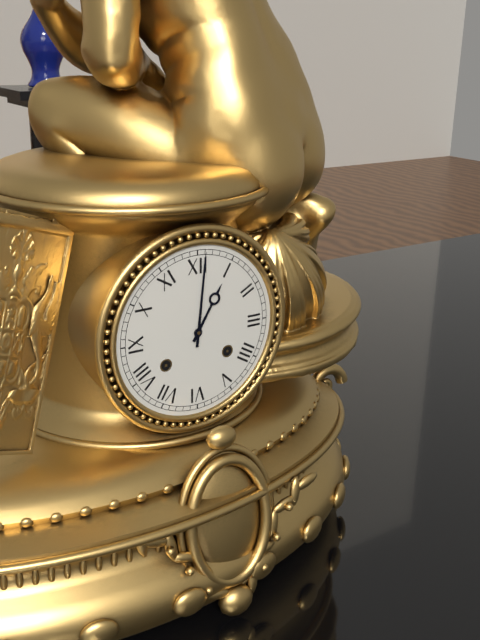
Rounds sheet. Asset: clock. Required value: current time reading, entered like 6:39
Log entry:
1:01
